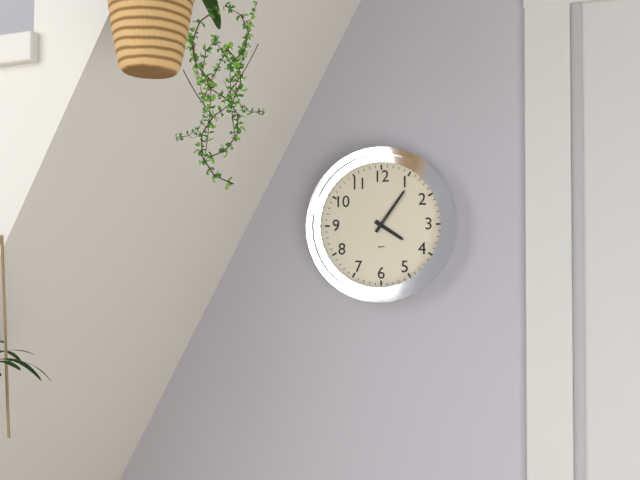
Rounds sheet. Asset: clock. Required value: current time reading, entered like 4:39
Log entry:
4:06
